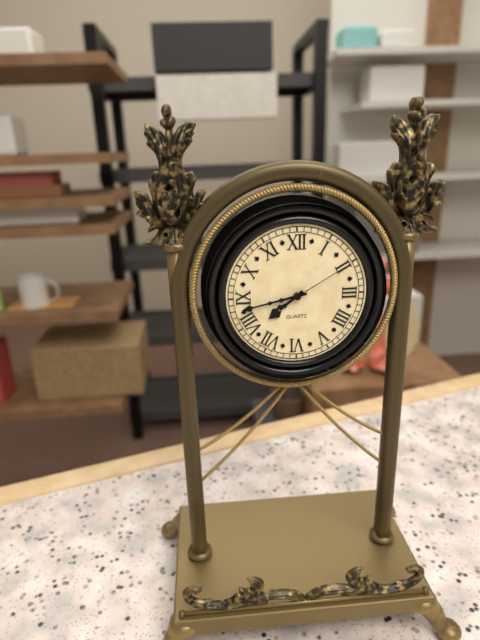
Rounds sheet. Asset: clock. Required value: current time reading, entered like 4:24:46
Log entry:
7:43:10
